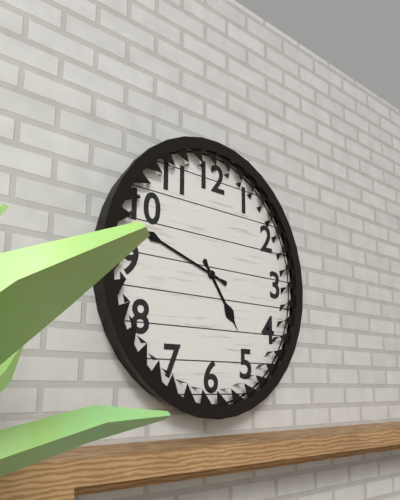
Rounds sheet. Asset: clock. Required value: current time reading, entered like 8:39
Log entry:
4:48
